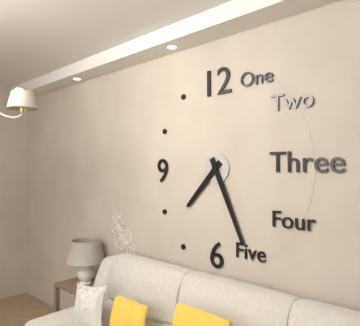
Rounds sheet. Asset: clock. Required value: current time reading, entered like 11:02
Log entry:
7:26
